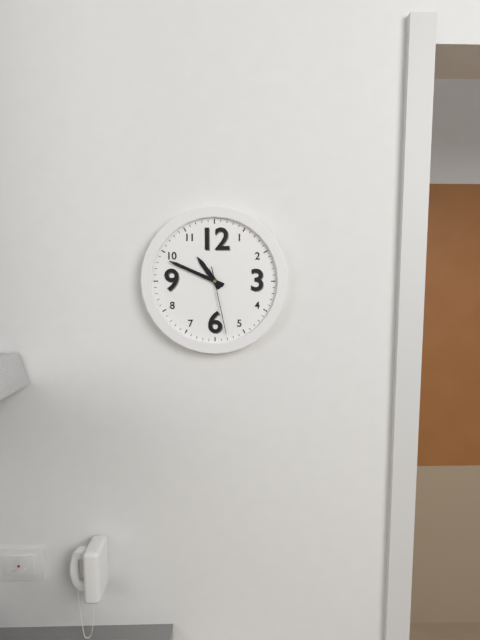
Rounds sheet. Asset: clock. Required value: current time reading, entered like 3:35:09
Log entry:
10:49:28
